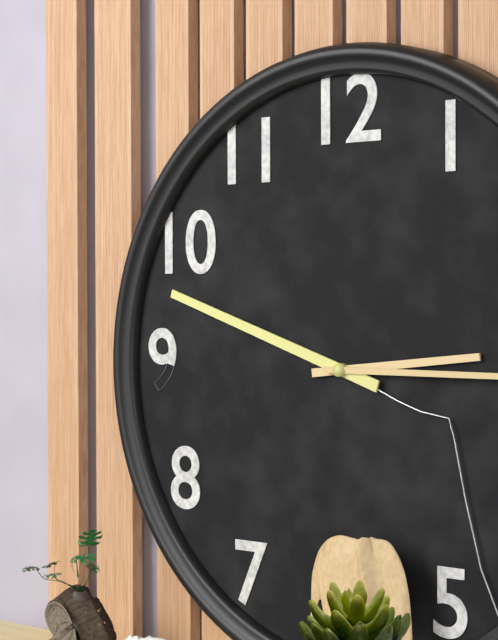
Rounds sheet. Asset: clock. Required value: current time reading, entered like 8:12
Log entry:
2:48
